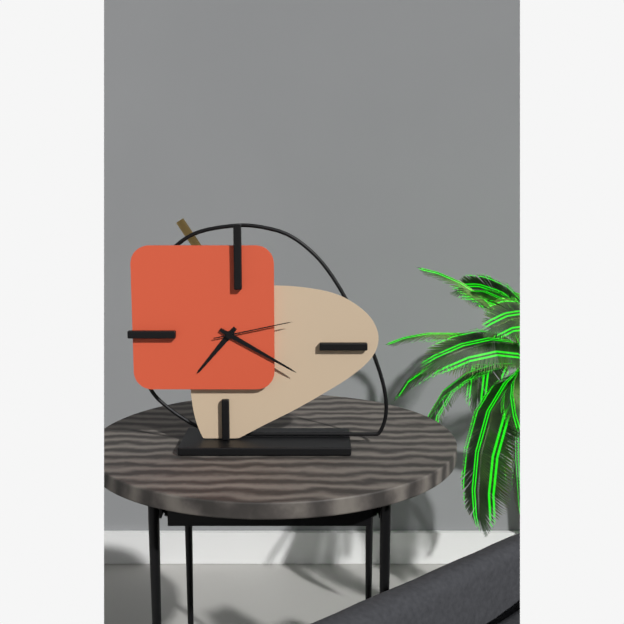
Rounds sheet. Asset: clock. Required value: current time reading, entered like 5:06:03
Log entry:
7:20:13
